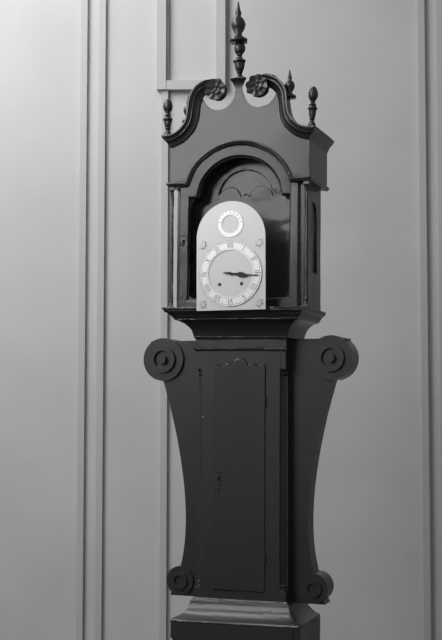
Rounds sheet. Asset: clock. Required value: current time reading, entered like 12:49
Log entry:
3:16
